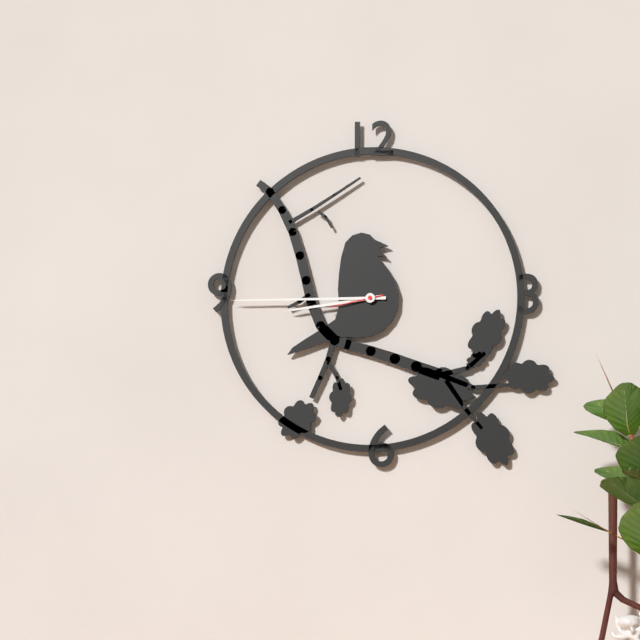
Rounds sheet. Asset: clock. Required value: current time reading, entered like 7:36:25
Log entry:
8:45:43
